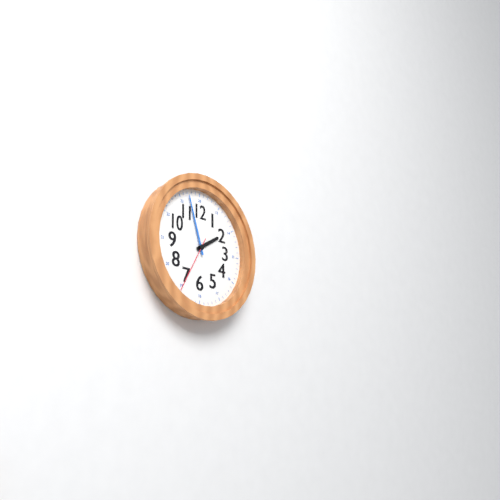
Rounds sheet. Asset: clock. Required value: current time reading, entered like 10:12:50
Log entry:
1:57:35
